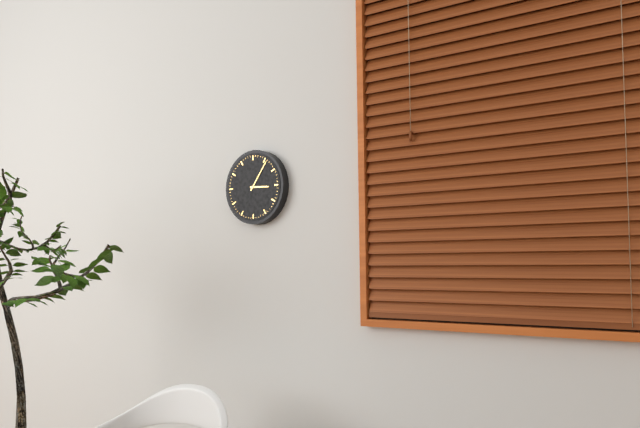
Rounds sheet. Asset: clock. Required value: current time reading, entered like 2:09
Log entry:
3:06
